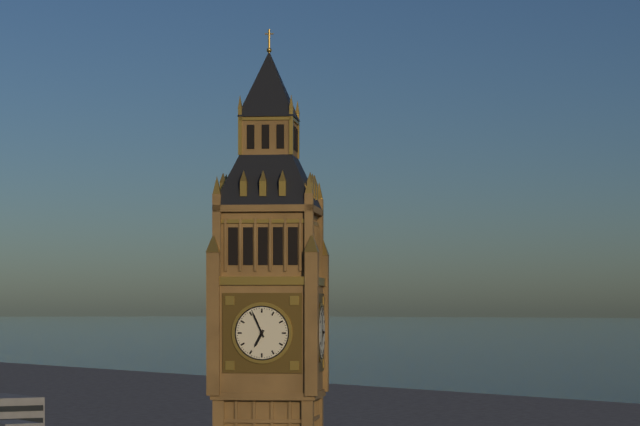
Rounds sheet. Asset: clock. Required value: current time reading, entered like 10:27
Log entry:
6:56
